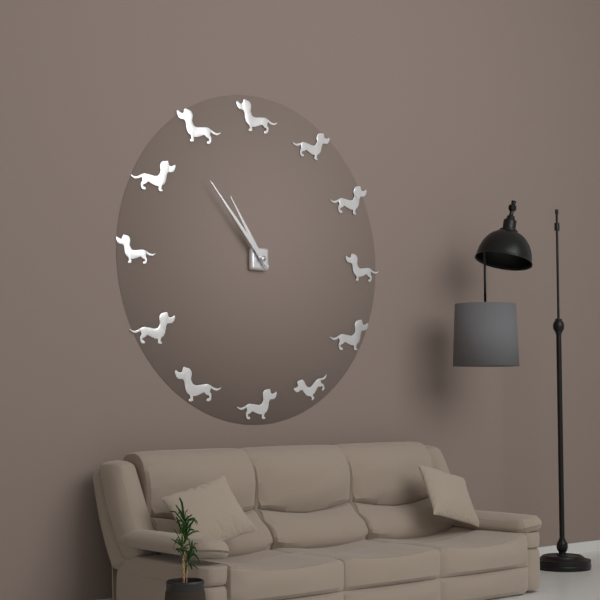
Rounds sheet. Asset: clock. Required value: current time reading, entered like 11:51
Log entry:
10:53
